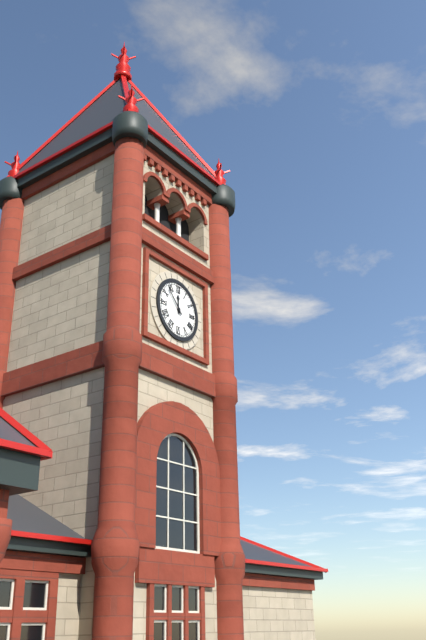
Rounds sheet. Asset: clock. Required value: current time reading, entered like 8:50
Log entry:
11:53
